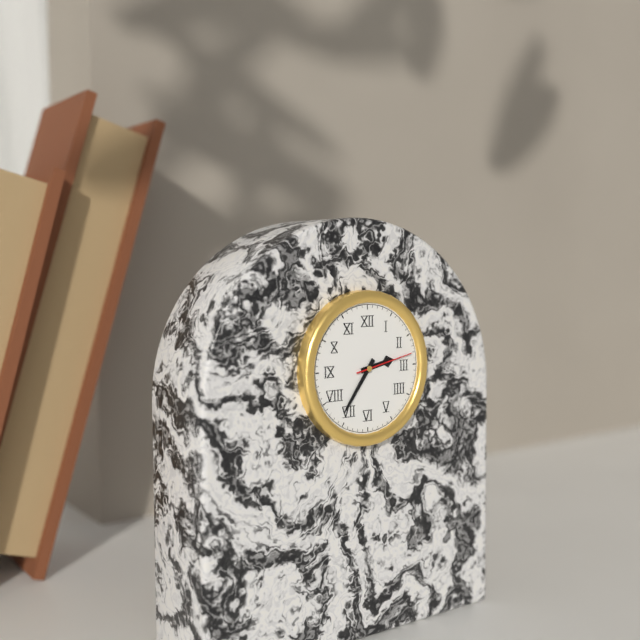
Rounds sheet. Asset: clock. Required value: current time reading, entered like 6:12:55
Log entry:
2:36:13
